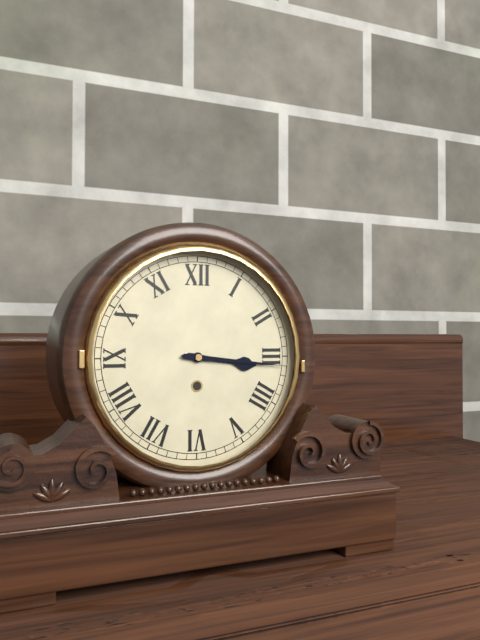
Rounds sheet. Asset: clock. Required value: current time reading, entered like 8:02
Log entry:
3:16
